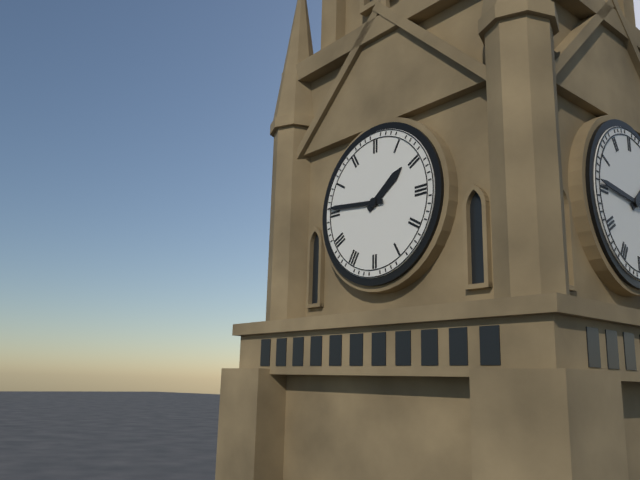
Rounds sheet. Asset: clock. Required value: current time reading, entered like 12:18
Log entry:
1:46
